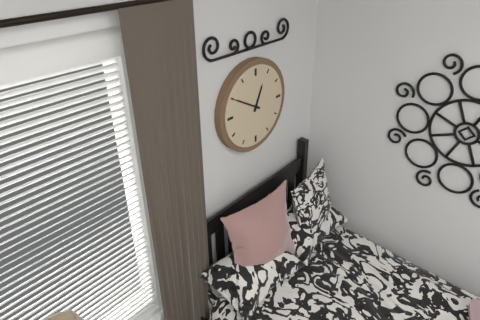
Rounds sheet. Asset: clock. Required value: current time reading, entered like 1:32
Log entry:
12:50
